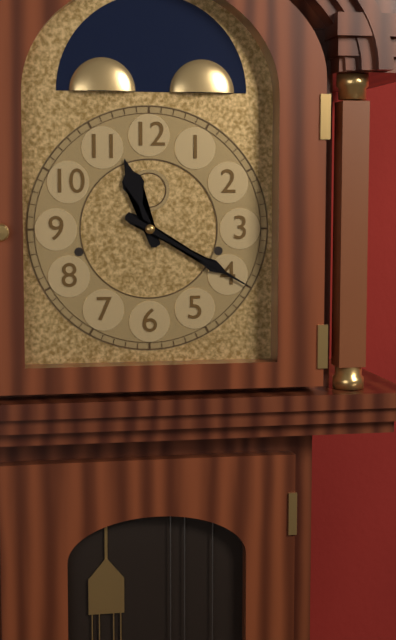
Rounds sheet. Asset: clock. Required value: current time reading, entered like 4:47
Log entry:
11:20
